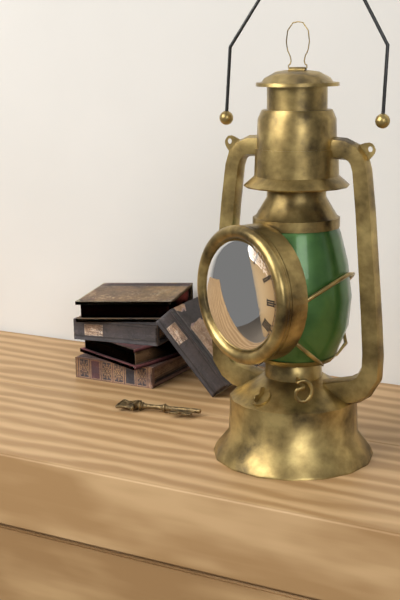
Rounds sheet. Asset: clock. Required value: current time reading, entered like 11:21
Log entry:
3:33
